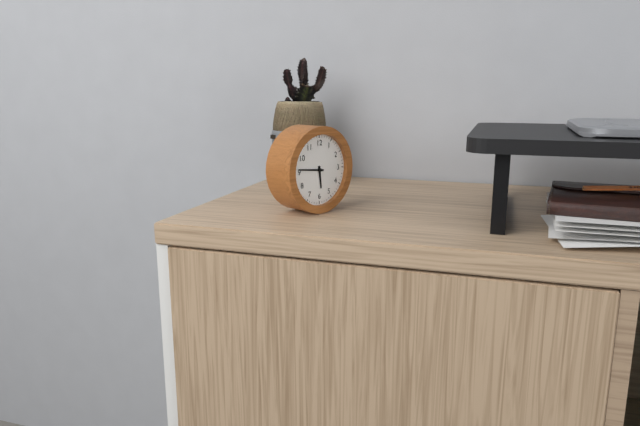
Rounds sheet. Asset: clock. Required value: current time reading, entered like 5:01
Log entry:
5:46
